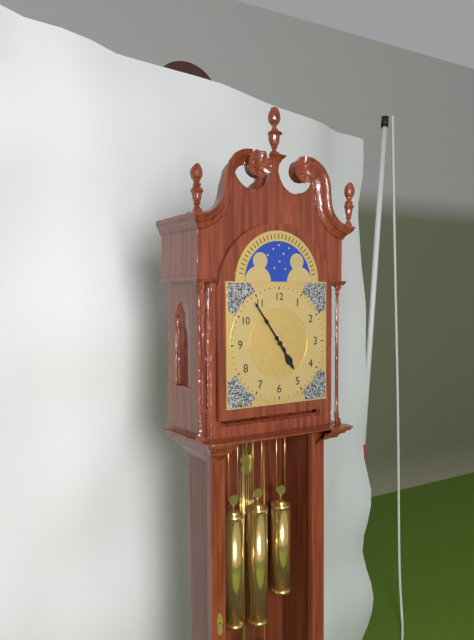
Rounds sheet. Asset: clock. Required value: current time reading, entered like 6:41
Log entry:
4:54
